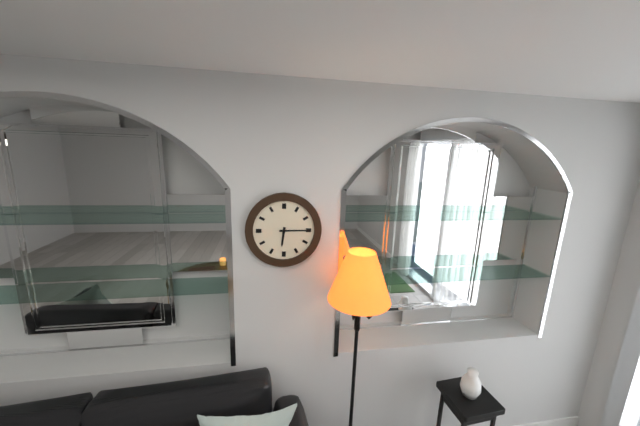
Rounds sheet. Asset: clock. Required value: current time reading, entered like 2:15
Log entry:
6:15
